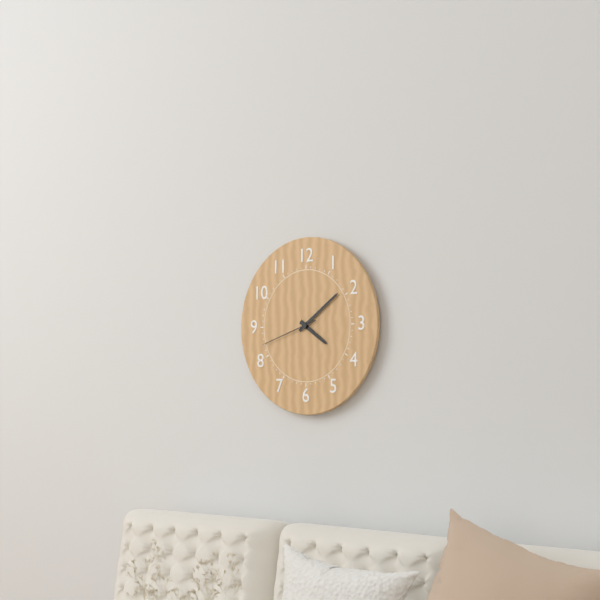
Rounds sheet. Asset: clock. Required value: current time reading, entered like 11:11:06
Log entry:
4:09:42
